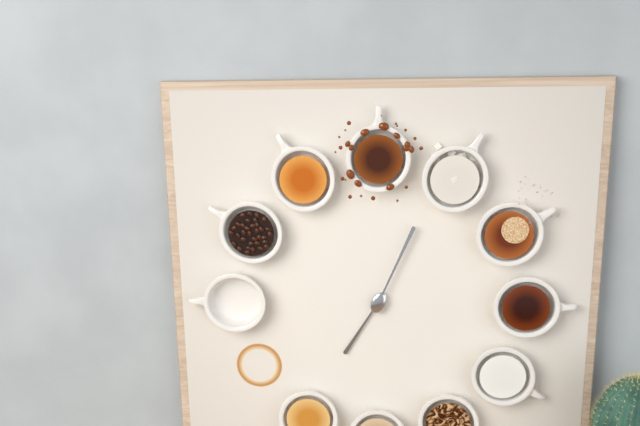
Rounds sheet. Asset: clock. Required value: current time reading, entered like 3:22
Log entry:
7:04
